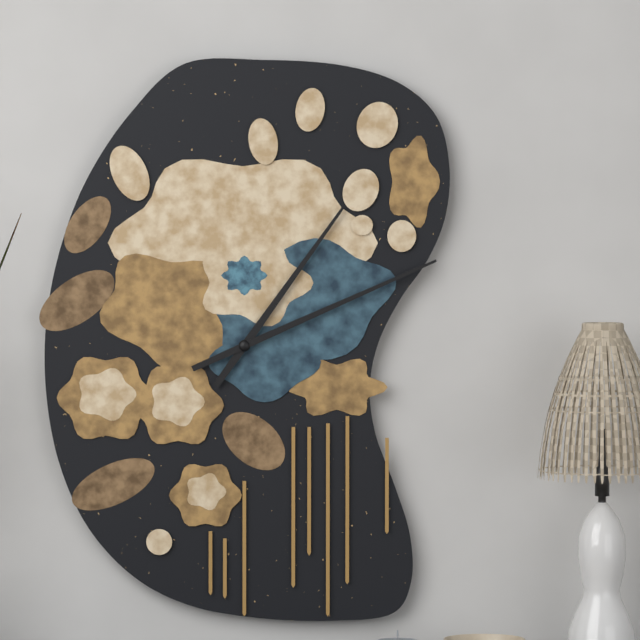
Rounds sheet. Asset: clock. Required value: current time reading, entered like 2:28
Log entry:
1:11
